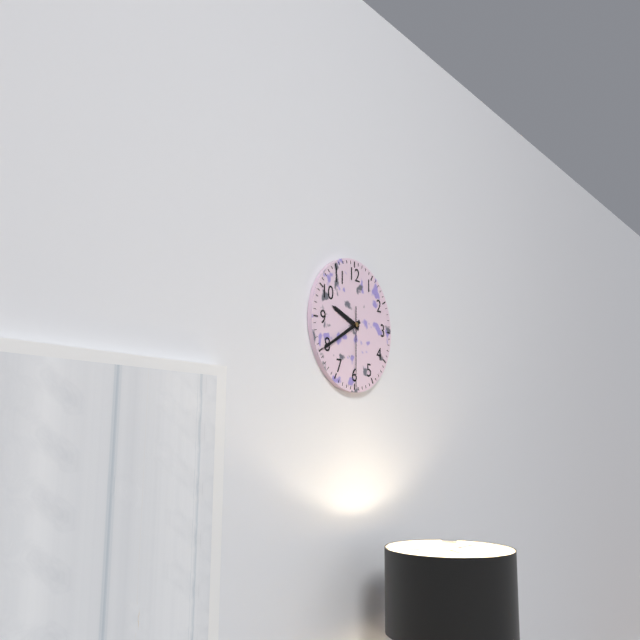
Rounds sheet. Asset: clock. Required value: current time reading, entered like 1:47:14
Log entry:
9:40:30
